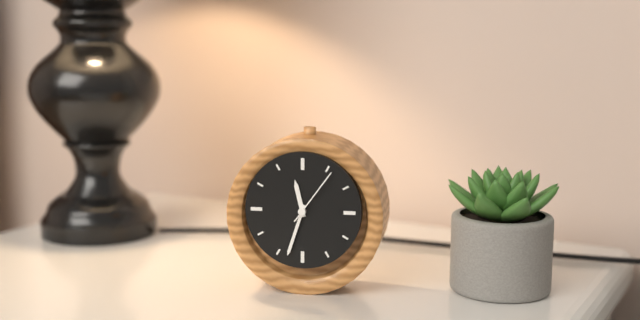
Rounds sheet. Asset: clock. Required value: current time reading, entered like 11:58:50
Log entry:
11:33:06
